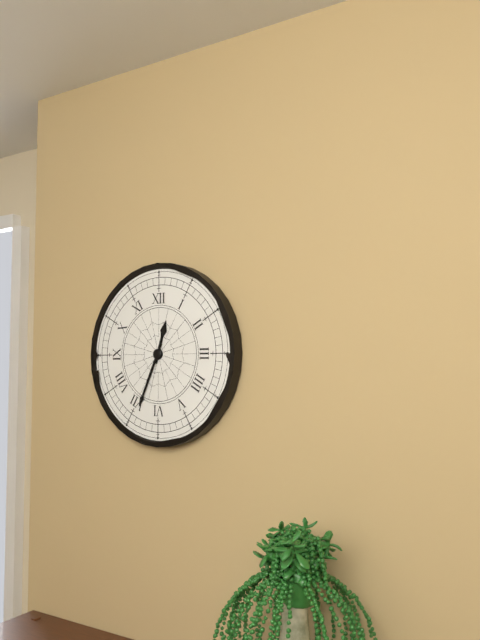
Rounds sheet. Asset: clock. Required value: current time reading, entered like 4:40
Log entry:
12:34
